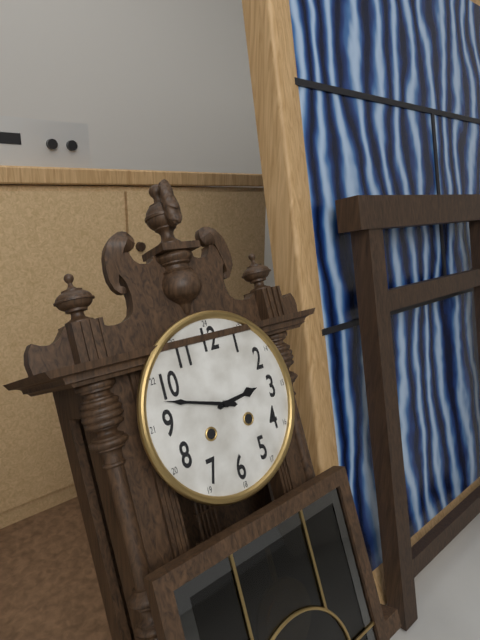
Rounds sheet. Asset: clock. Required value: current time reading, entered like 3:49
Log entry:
2:48
